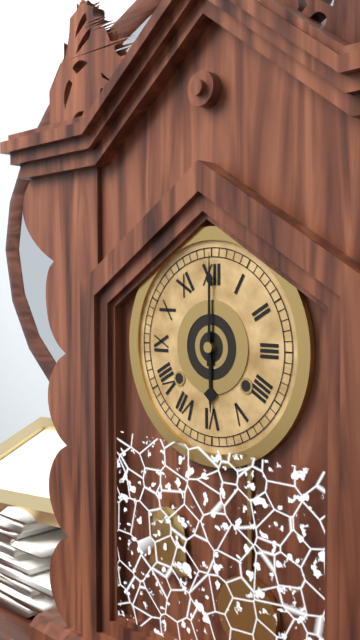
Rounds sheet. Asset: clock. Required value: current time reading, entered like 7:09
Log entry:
6:00
